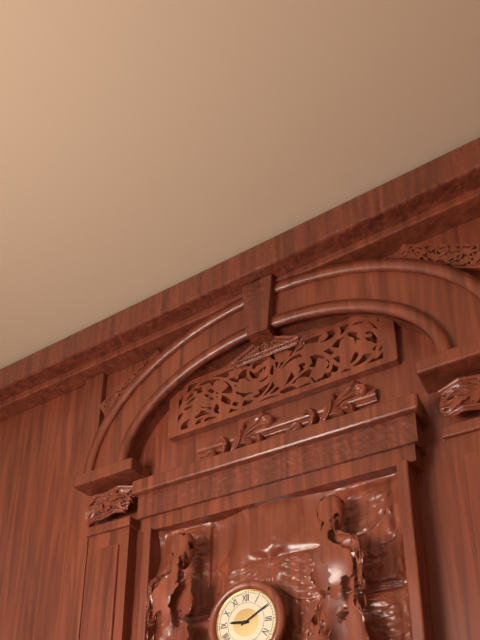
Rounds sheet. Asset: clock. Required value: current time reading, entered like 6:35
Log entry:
9:10
